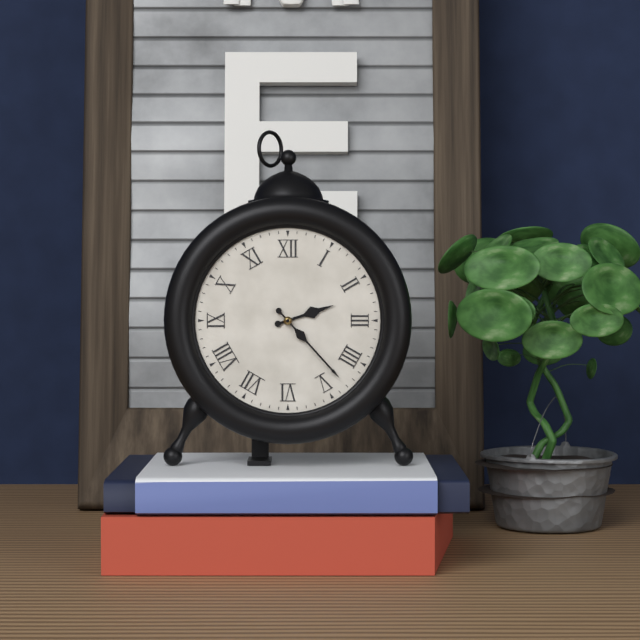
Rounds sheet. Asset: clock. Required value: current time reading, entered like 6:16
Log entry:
2:23
